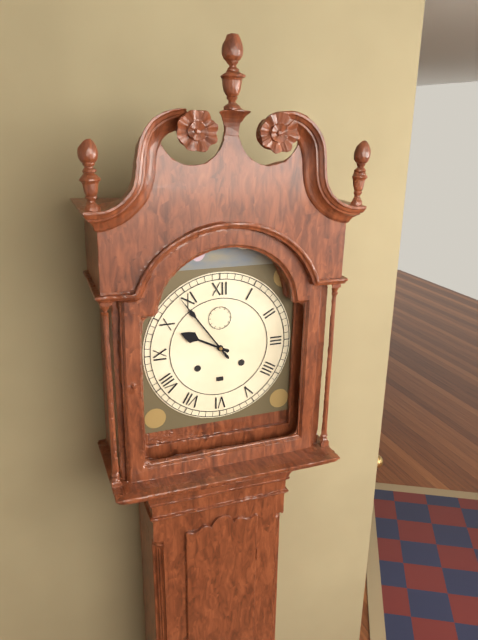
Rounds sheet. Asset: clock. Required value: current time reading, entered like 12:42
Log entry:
9:54
